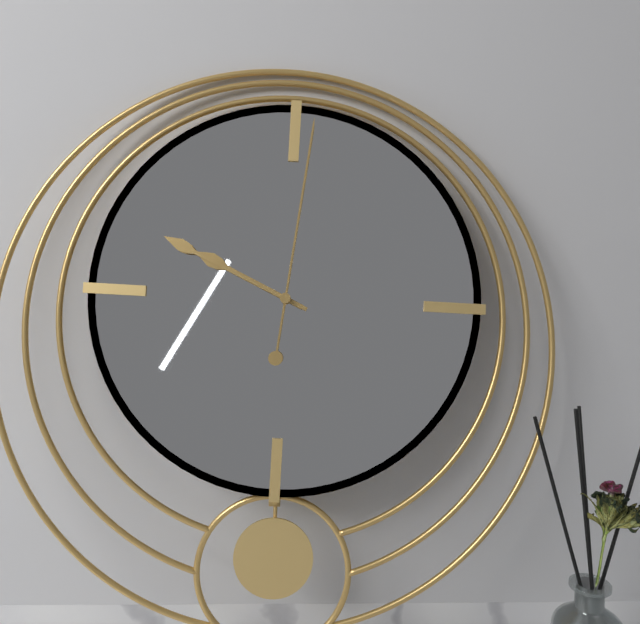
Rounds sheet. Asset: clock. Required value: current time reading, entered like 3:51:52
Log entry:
9:49:01
